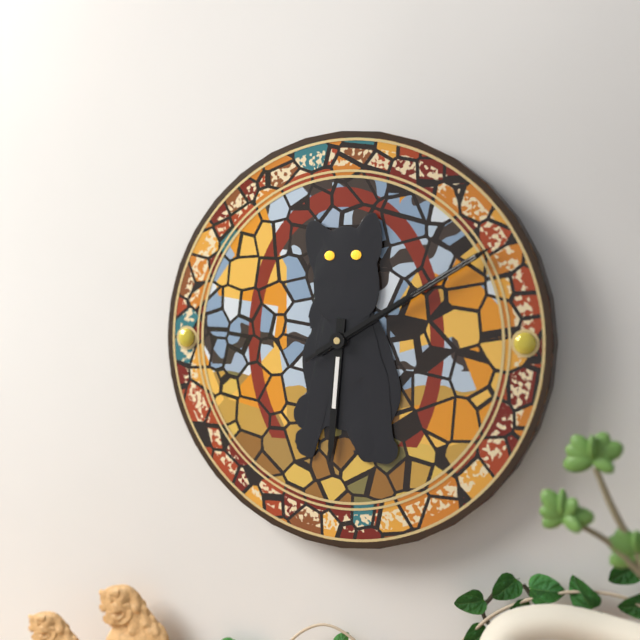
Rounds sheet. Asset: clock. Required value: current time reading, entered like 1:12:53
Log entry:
6:10:10
